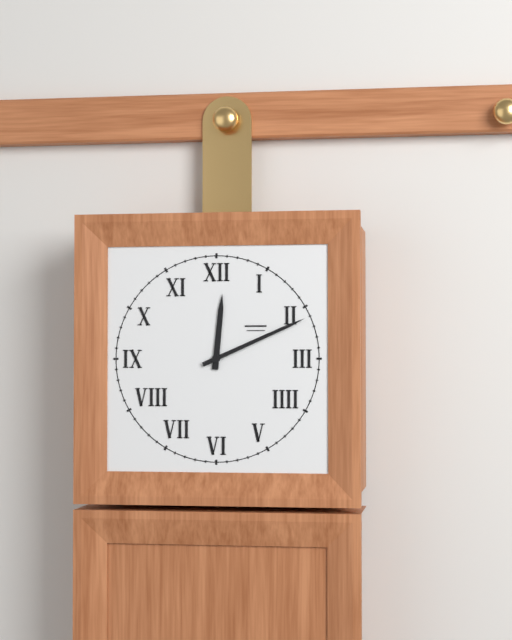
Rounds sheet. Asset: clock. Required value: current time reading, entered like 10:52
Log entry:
12:11
